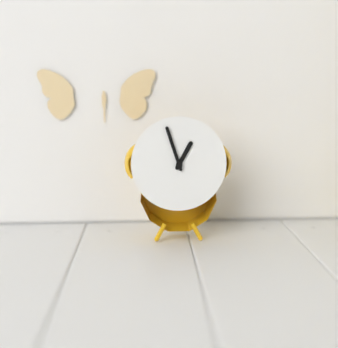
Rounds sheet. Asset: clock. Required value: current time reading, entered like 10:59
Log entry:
12:57
